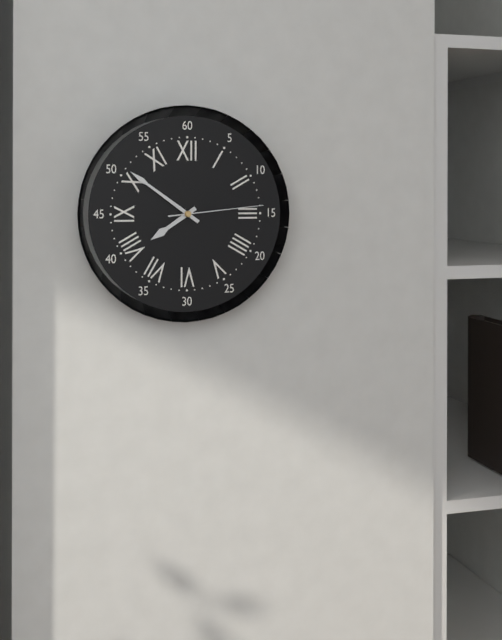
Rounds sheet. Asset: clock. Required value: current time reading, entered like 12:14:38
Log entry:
7:51:14
